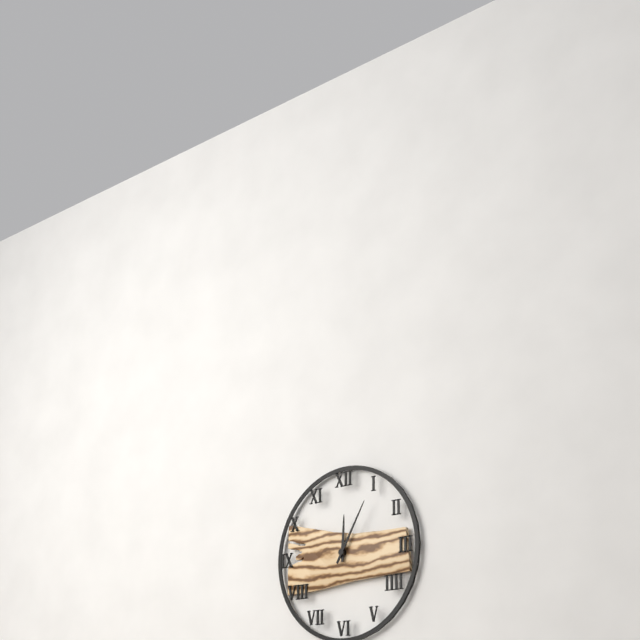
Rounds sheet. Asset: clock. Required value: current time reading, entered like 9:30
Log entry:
12:05
